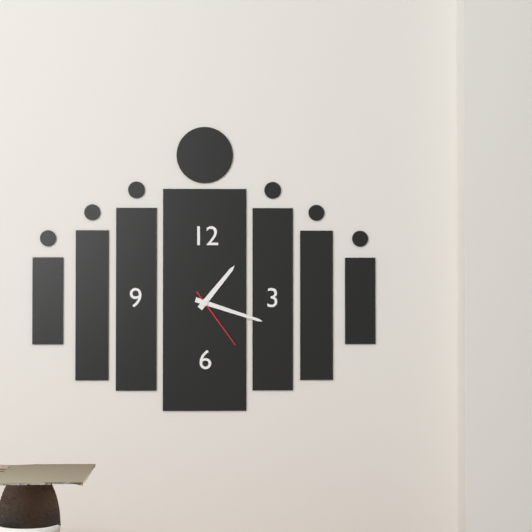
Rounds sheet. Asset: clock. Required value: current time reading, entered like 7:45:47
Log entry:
1:18:24
